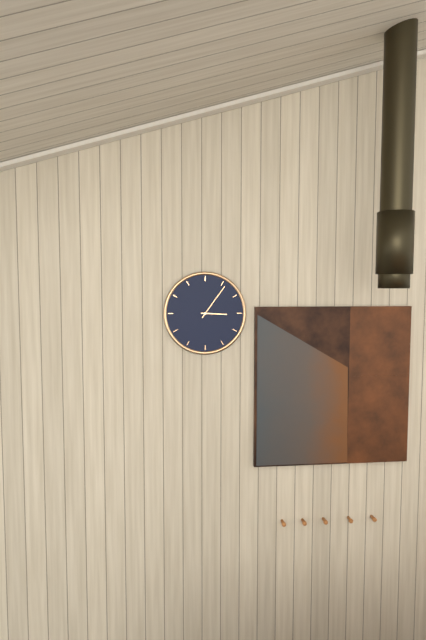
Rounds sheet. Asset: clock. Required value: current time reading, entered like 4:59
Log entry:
3:06
